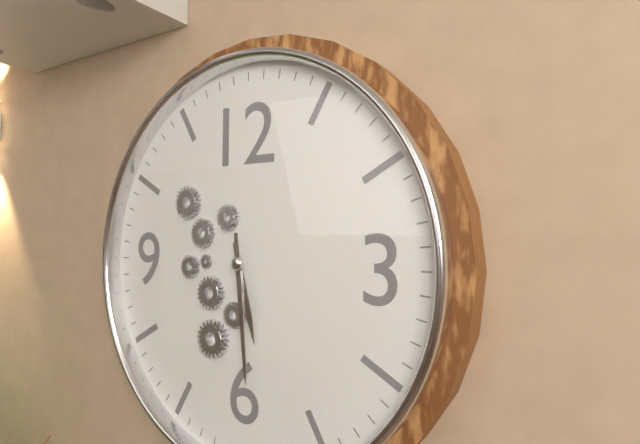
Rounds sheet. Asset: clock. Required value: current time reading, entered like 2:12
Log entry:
5:29
